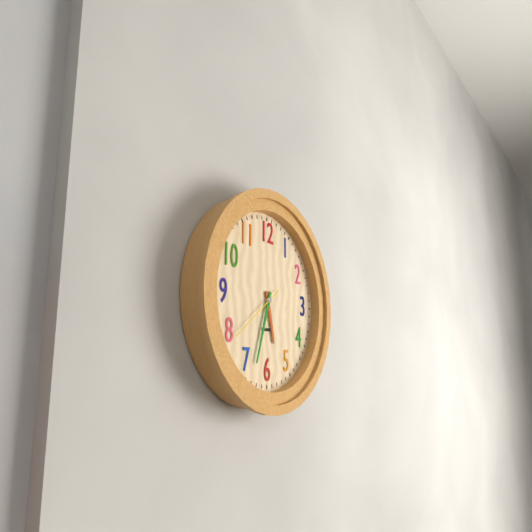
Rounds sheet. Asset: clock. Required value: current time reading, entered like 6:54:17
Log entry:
5:33:39
